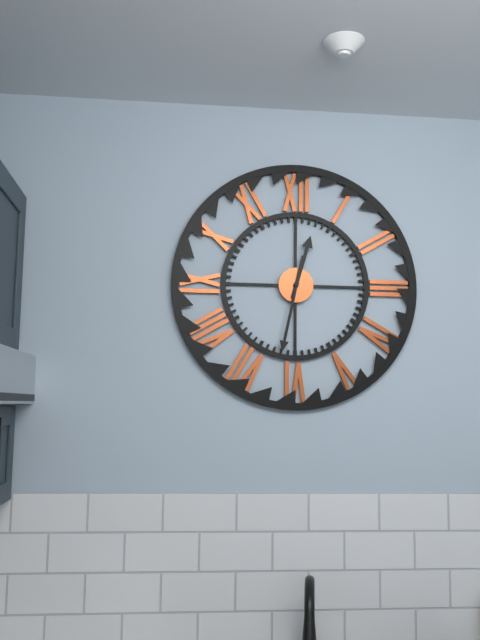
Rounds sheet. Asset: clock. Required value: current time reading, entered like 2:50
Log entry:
12:32
